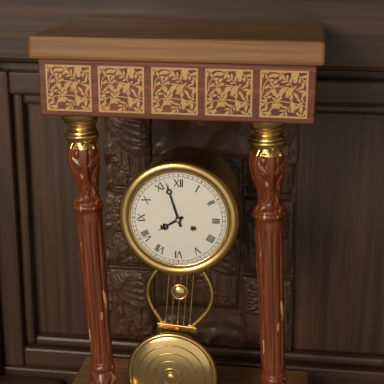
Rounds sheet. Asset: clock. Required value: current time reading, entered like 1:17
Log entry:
7:57
